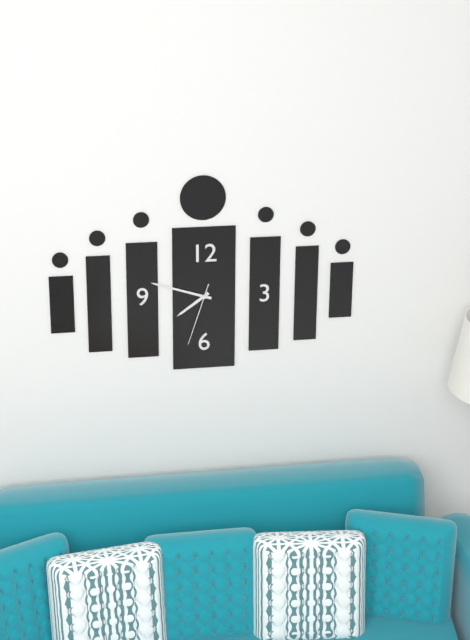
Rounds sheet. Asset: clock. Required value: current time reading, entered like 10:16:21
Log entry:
7:48:33
